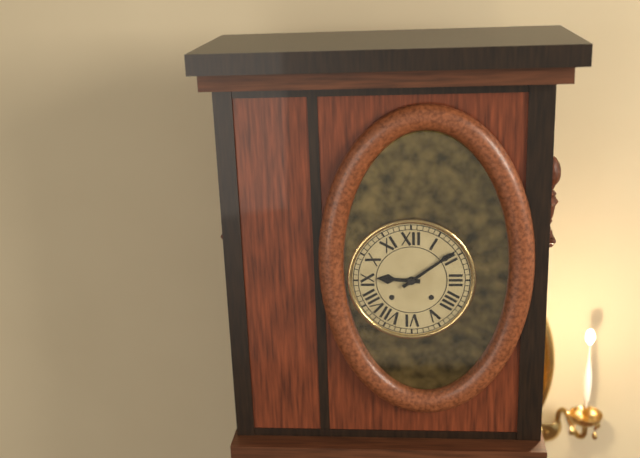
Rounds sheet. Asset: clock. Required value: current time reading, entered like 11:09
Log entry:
9:09
